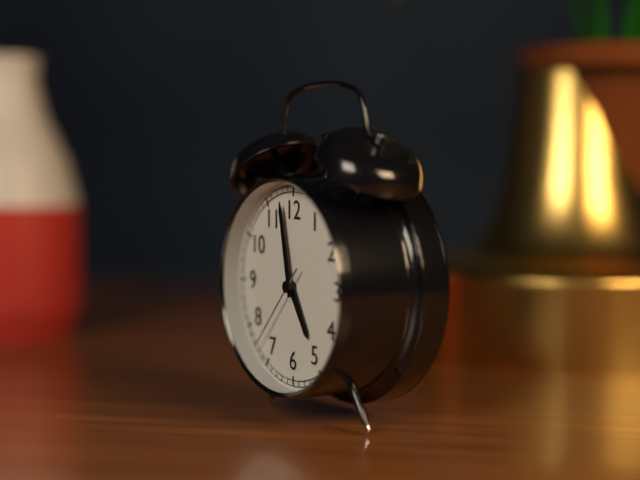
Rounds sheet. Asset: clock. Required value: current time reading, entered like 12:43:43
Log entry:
4:58:37
